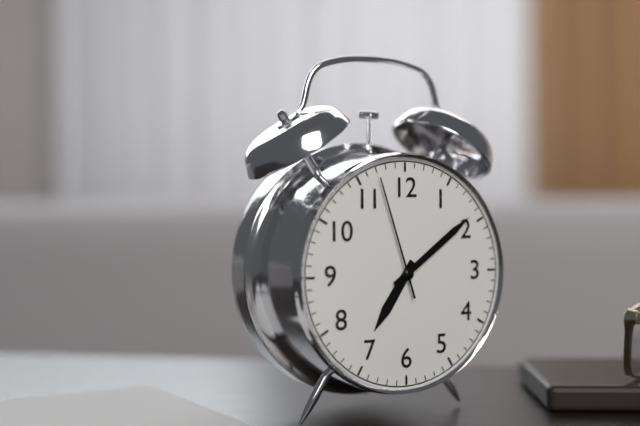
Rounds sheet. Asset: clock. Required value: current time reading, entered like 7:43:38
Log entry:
7:09:57
